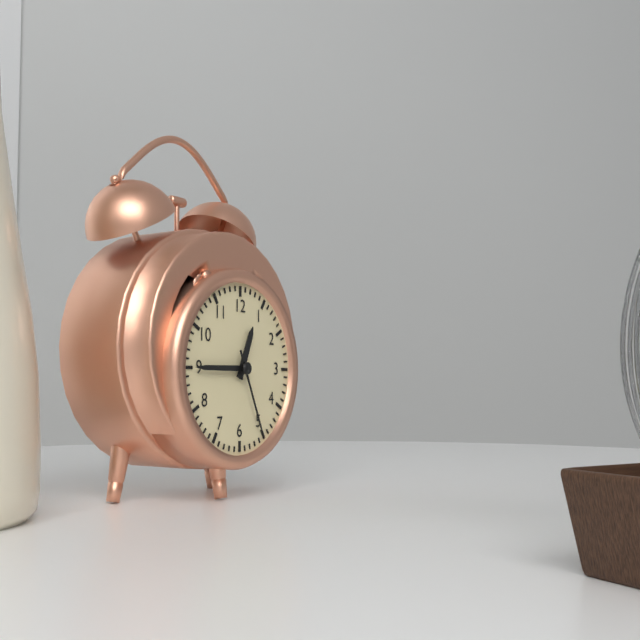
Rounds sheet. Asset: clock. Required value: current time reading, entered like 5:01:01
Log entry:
12:45:26
